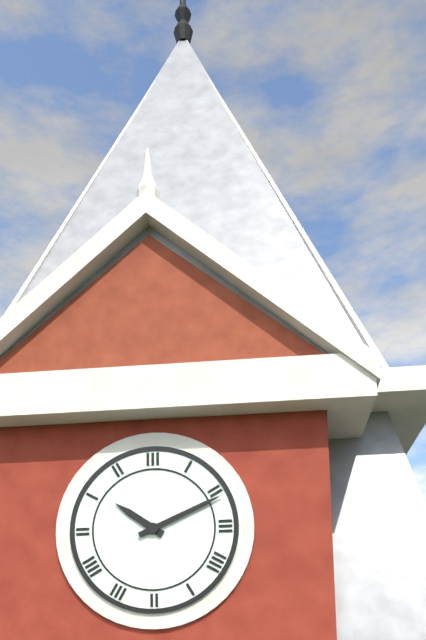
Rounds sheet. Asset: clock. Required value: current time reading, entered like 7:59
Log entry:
10:11
